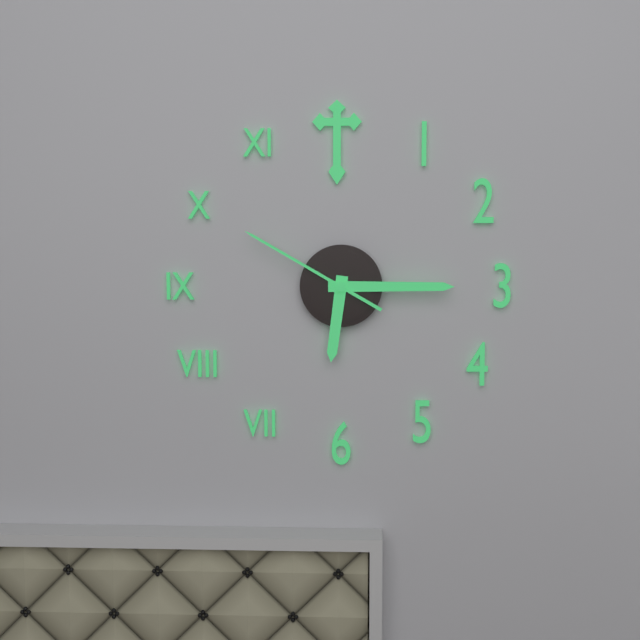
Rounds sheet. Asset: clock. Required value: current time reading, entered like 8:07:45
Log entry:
6:15:50
